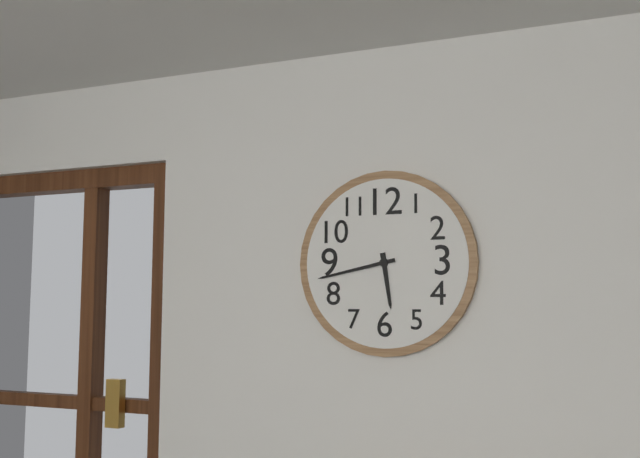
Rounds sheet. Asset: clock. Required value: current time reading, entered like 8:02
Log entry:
5:43
